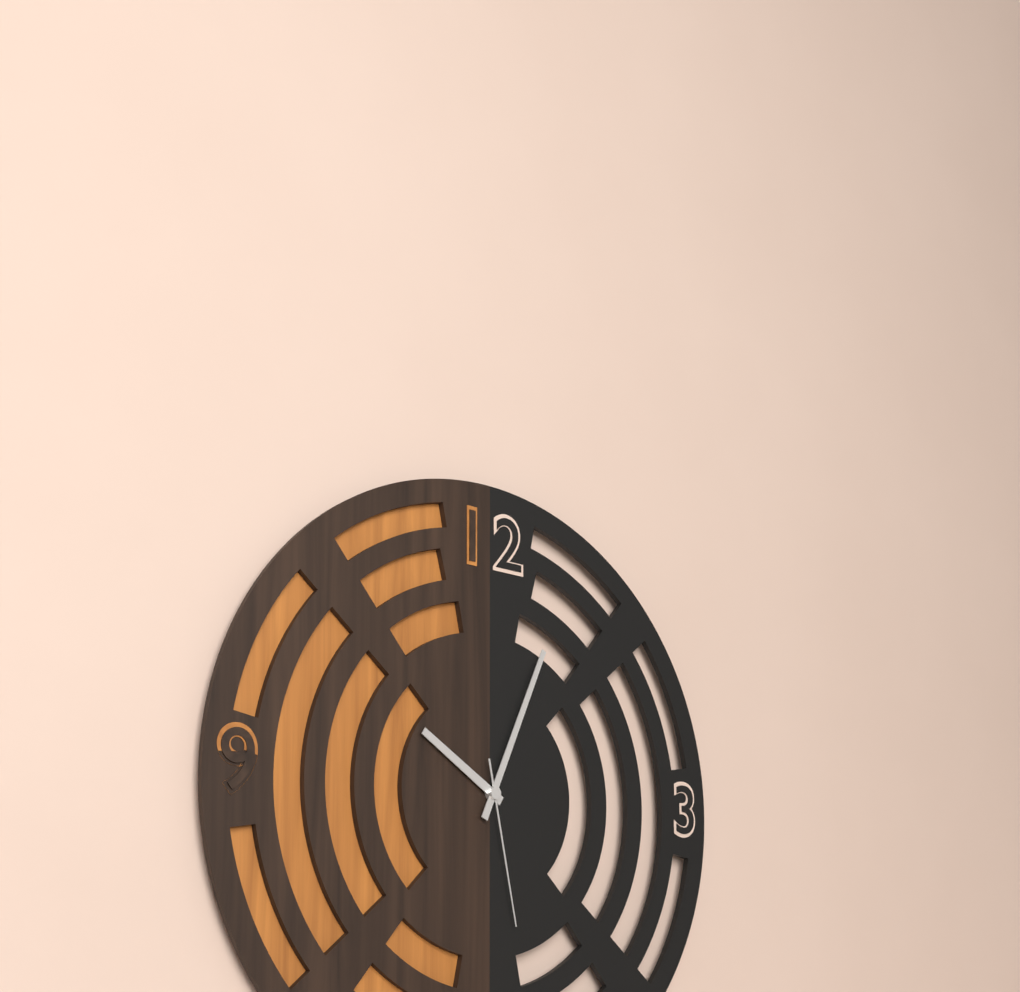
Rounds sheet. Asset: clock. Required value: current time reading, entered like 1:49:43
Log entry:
10:04:28
